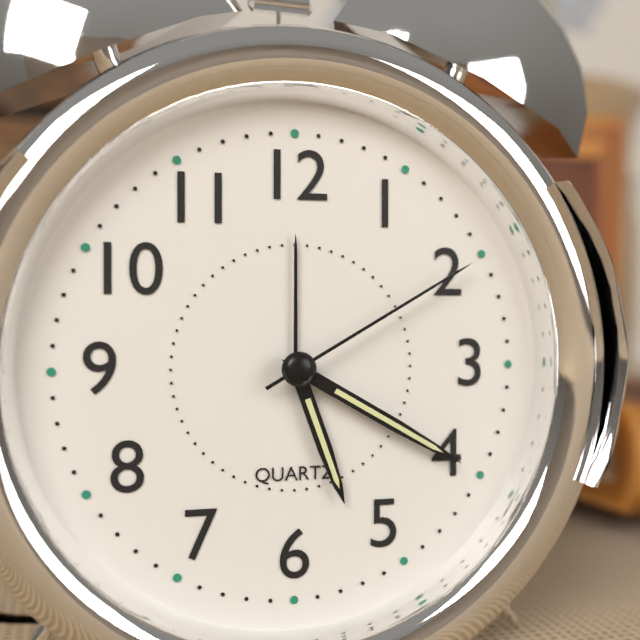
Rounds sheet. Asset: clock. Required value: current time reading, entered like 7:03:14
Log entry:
5:20:10
